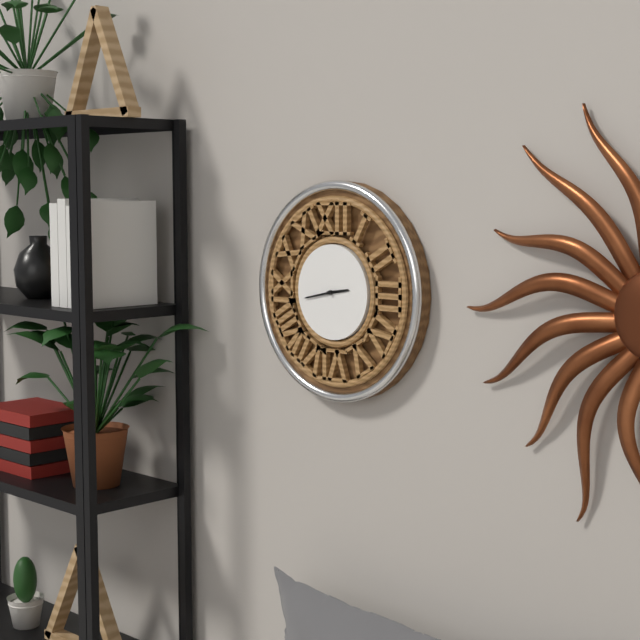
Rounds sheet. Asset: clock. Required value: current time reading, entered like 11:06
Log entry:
2:43
